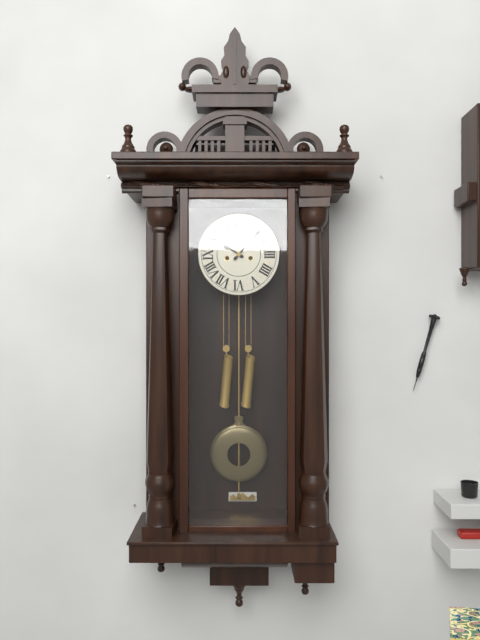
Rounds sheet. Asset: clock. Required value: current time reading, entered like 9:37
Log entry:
10:07
